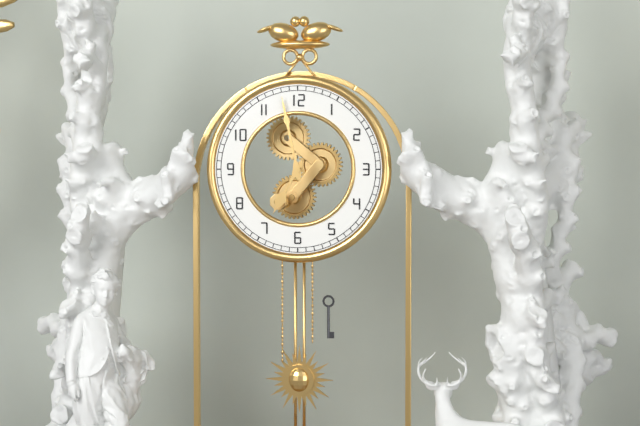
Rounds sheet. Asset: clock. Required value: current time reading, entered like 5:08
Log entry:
6:58
